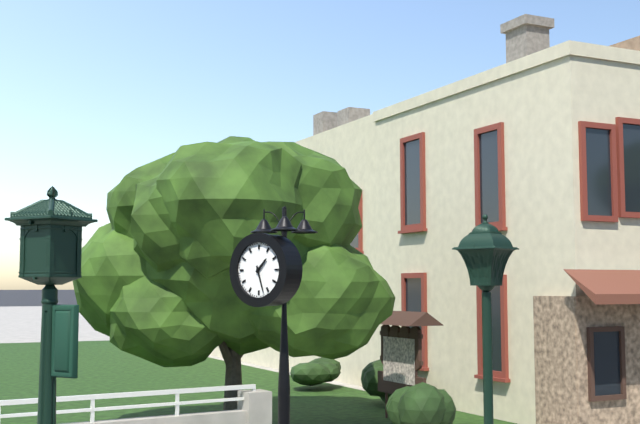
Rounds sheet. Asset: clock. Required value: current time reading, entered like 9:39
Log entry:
1:27
